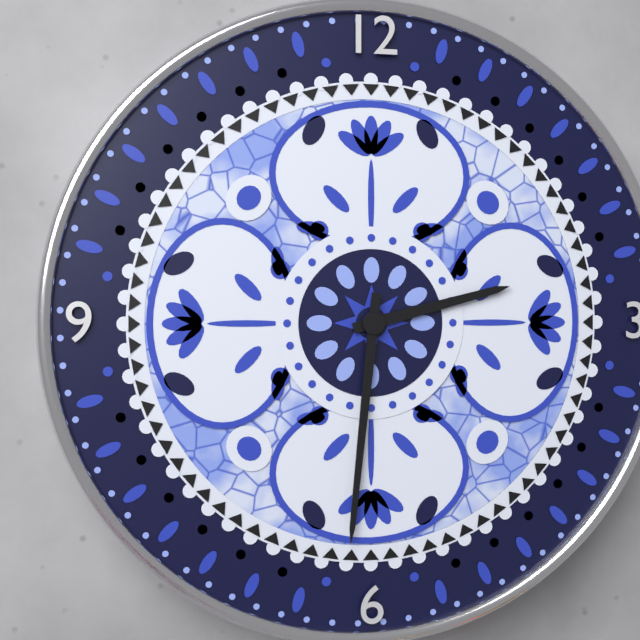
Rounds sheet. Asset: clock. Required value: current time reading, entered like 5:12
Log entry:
2:31
